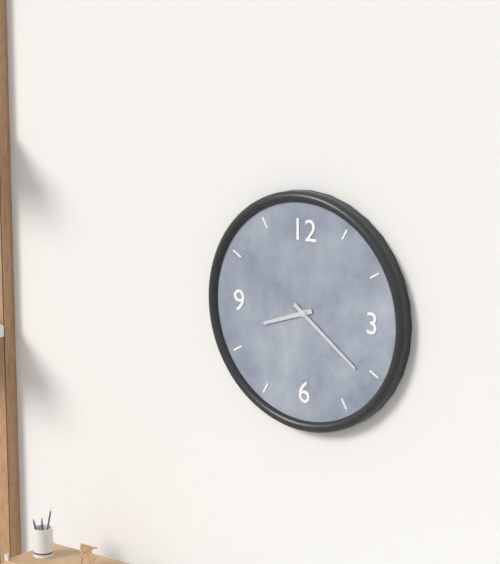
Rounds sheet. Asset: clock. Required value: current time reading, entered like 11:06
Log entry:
8:21
